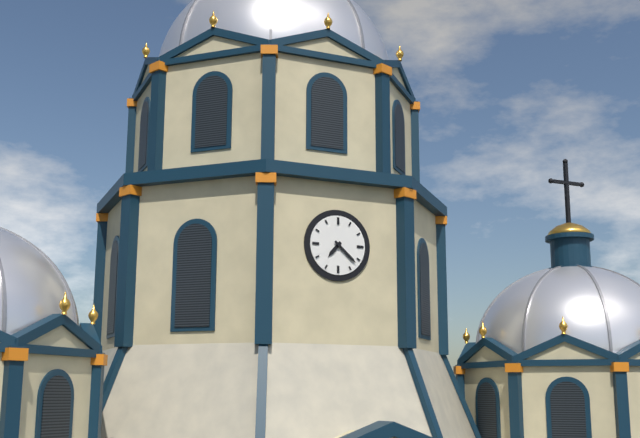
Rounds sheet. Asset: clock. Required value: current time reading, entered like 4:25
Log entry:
7:22
